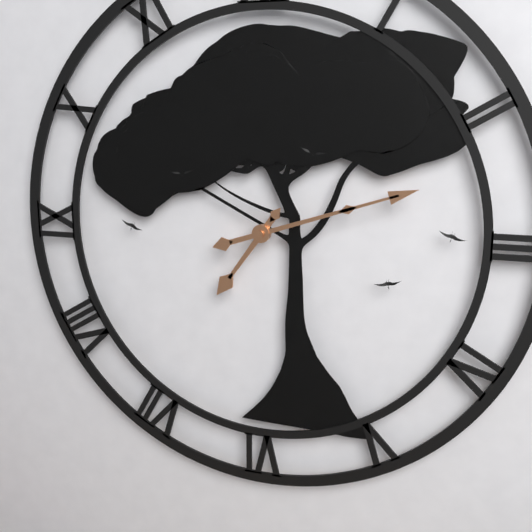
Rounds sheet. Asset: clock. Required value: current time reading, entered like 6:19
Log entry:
7:12
